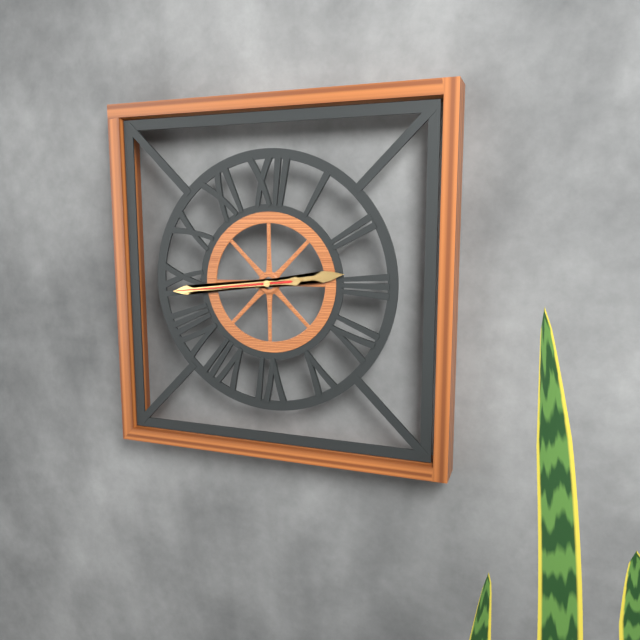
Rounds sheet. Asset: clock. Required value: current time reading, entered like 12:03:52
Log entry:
2:44:44
